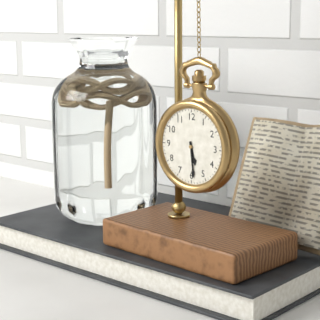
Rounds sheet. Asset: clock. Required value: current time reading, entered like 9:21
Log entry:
5:29
